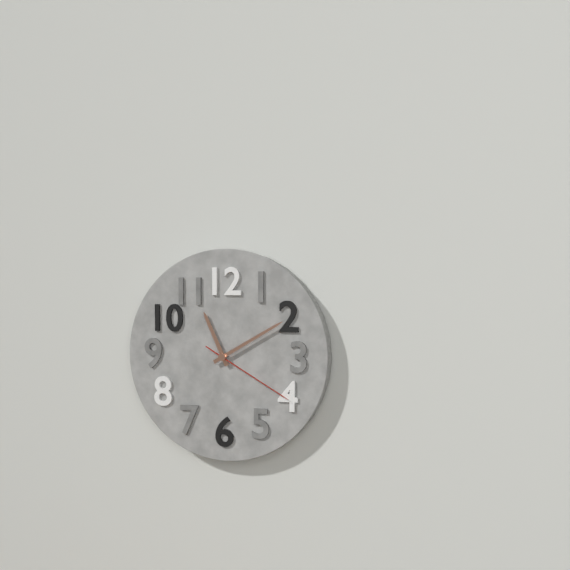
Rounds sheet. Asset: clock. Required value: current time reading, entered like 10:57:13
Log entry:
11:10:20
